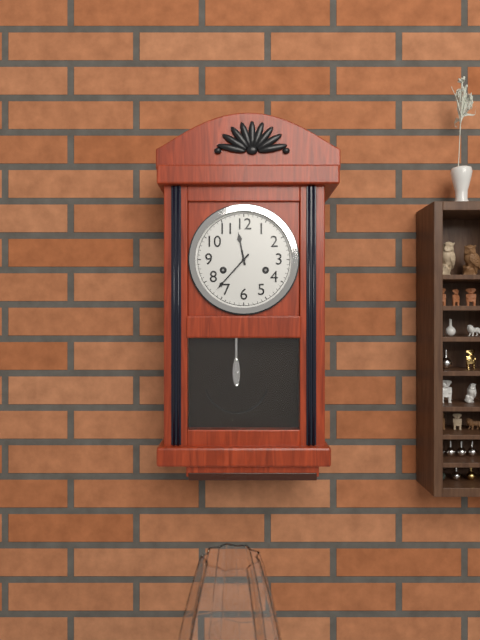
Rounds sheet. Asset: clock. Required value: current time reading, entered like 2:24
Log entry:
11:37
